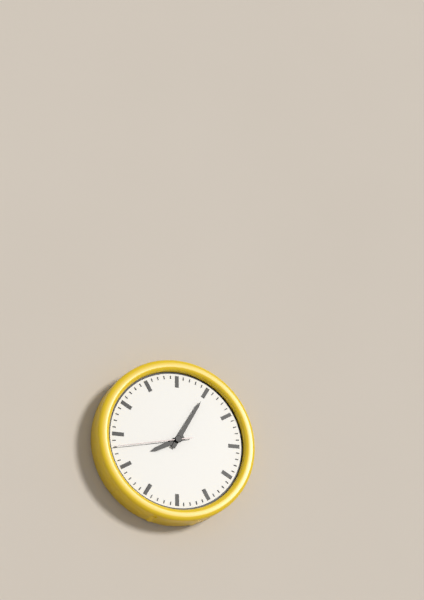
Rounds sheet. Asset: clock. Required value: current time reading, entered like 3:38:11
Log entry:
8:05:43
